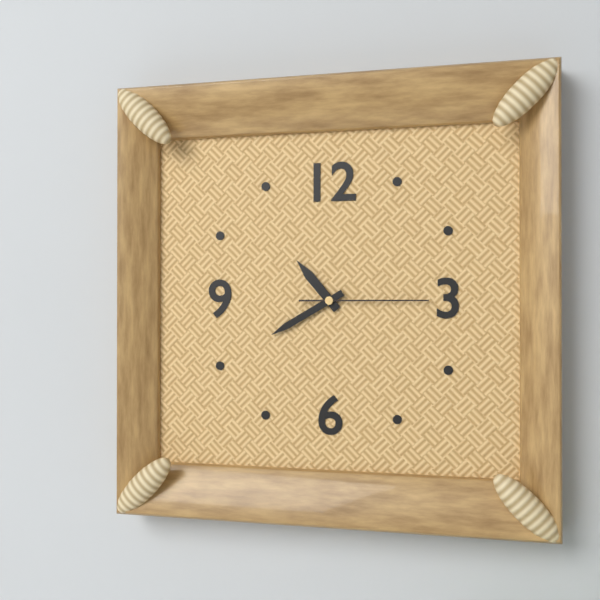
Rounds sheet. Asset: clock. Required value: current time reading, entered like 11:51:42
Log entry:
10:40:15
